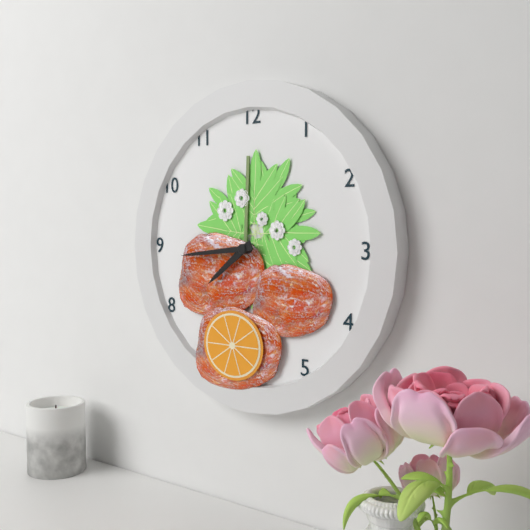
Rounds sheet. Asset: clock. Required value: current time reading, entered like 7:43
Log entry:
7:44
